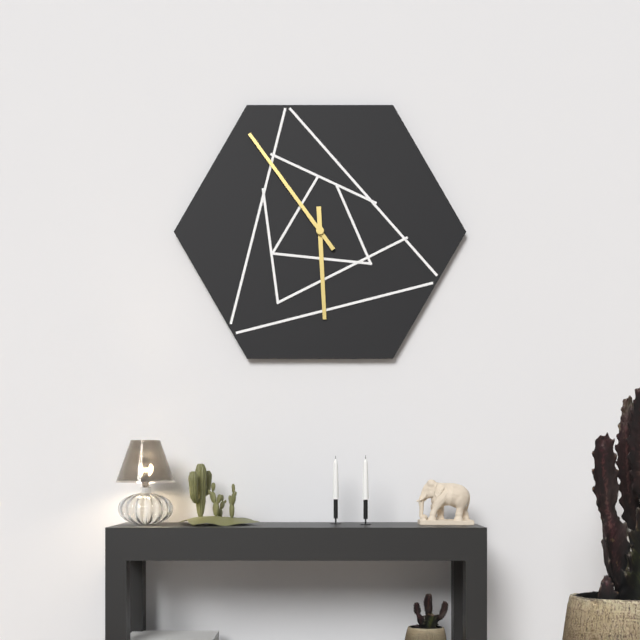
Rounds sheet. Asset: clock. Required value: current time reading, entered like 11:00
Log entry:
5:54
